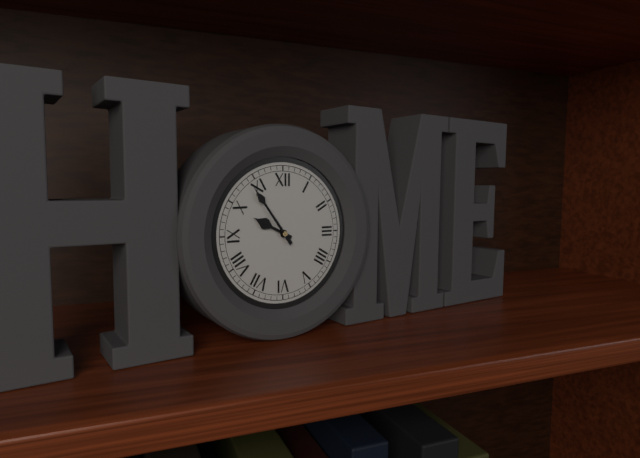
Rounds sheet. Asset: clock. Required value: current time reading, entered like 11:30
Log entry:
9:54
